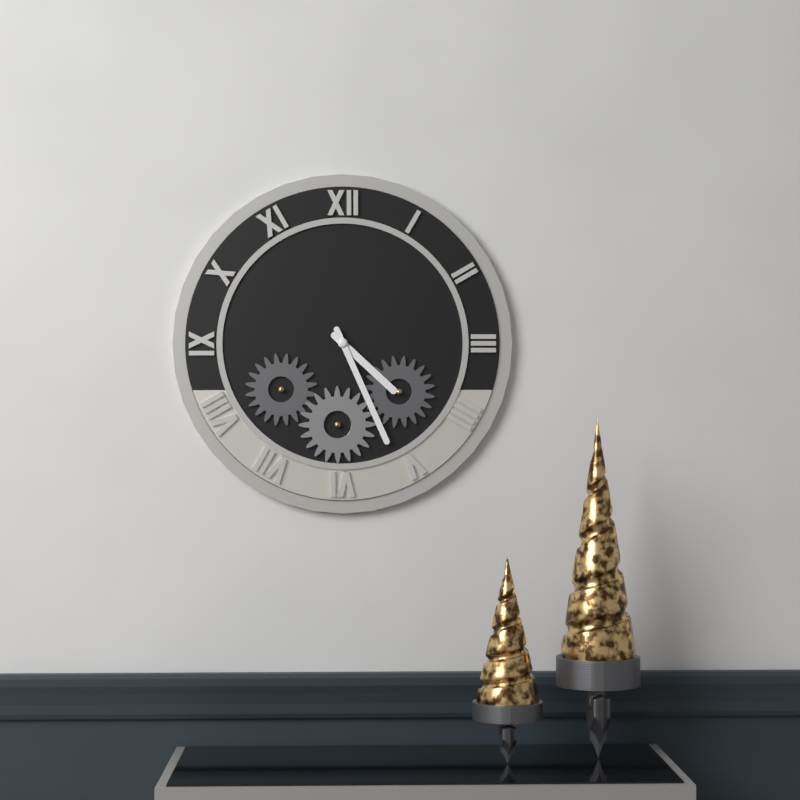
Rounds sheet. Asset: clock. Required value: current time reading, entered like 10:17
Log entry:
4:26
